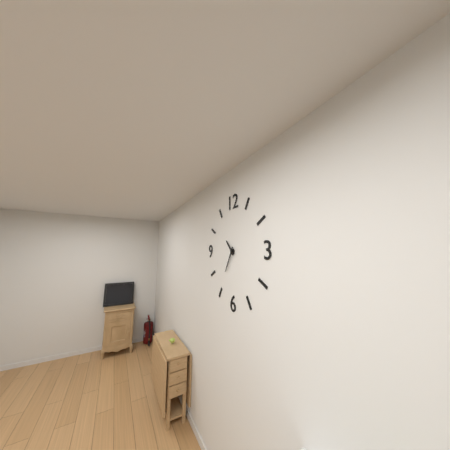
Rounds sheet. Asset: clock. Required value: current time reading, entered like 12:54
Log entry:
10:35
